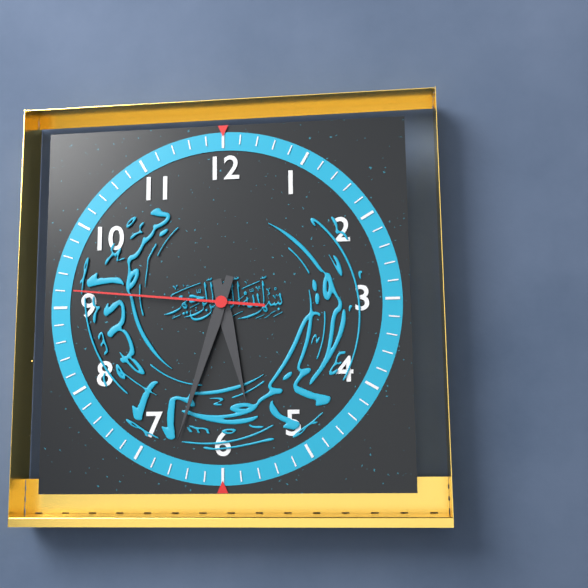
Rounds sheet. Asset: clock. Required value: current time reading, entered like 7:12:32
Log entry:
5:33:46
